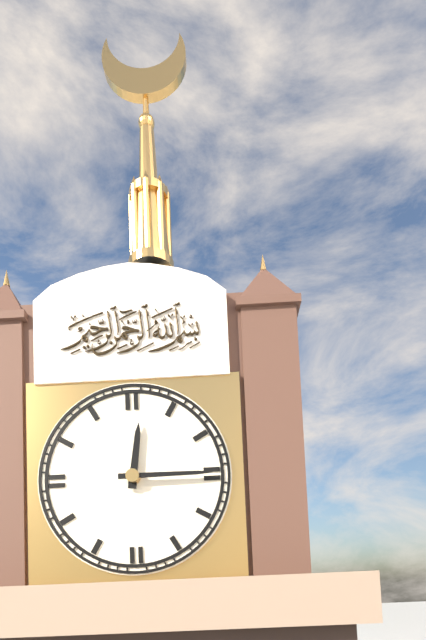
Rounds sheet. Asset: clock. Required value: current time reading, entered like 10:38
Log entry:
12:15
